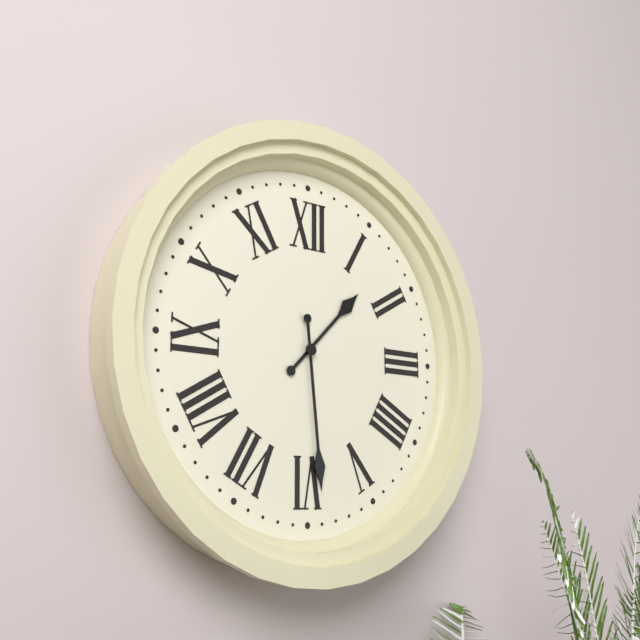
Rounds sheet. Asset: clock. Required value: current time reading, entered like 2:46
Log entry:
1:29
